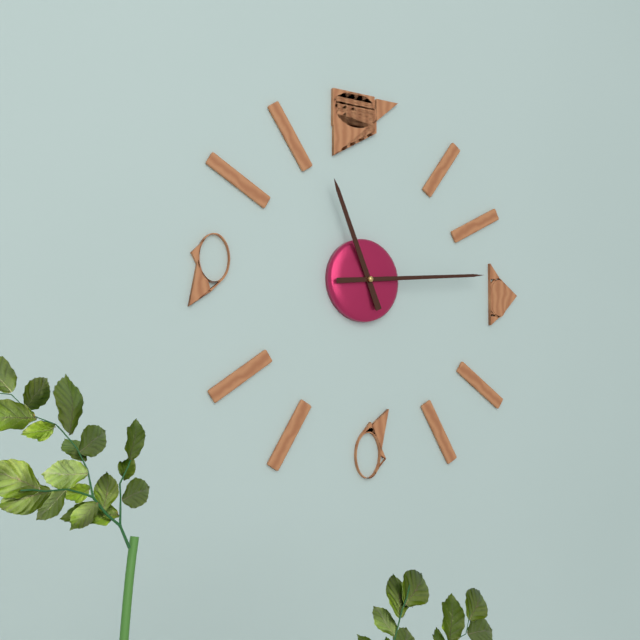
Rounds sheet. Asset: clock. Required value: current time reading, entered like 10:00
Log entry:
11:14
